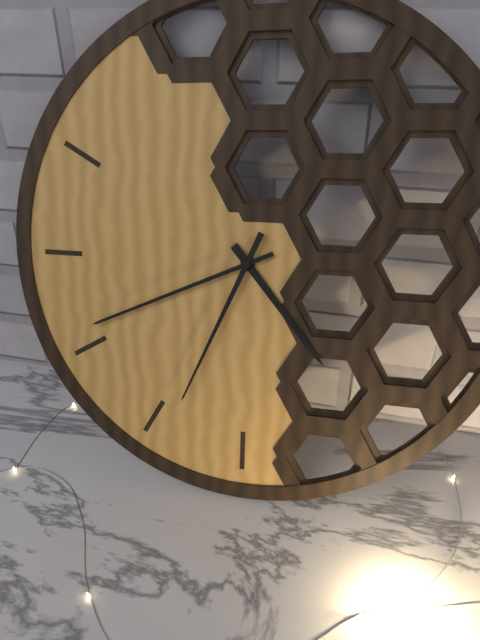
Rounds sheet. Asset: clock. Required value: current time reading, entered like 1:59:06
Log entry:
4:41:34
